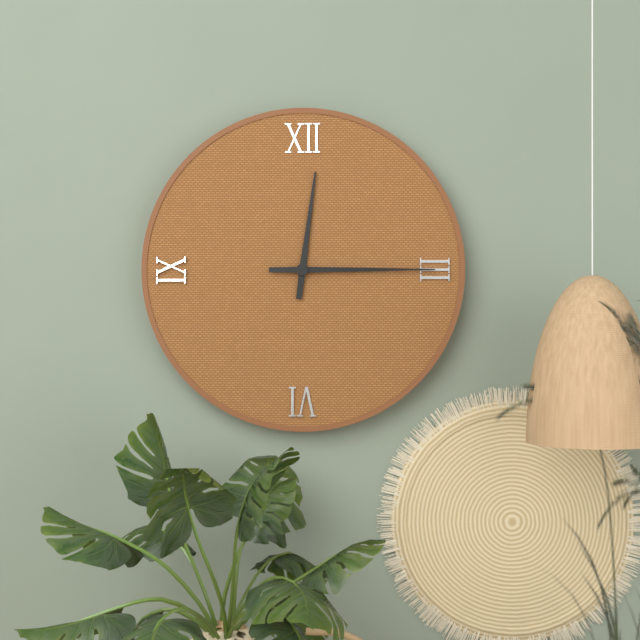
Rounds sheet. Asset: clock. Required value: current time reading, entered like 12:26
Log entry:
12:15
